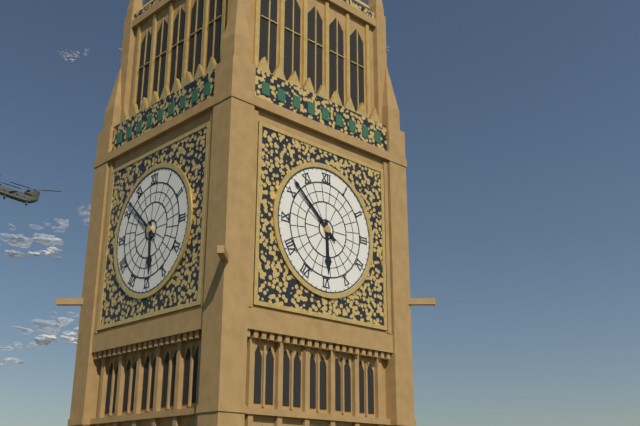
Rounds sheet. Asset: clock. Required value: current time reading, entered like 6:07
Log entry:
5:52
